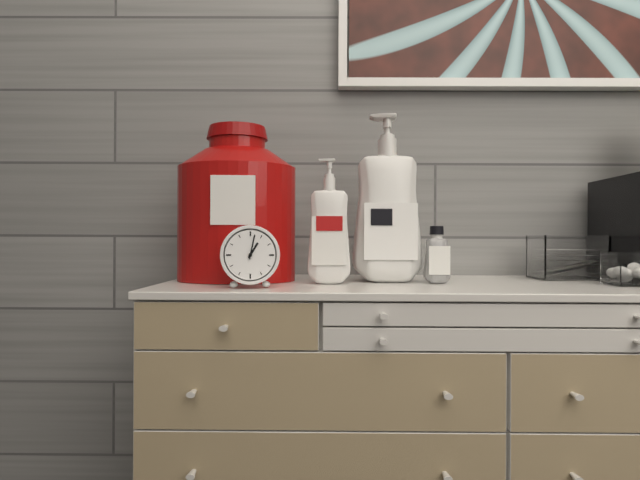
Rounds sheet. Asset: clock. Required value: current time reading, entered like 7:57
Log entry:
1:02
